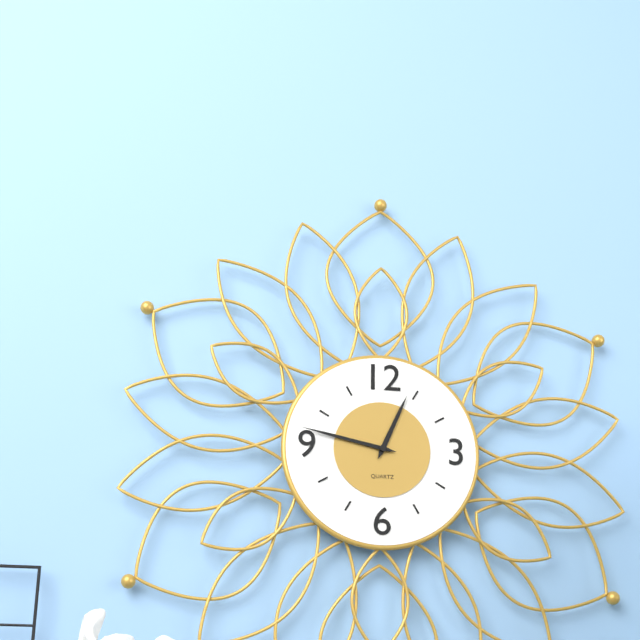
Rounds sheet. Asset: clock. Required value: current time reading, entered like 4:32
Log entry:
12:47
